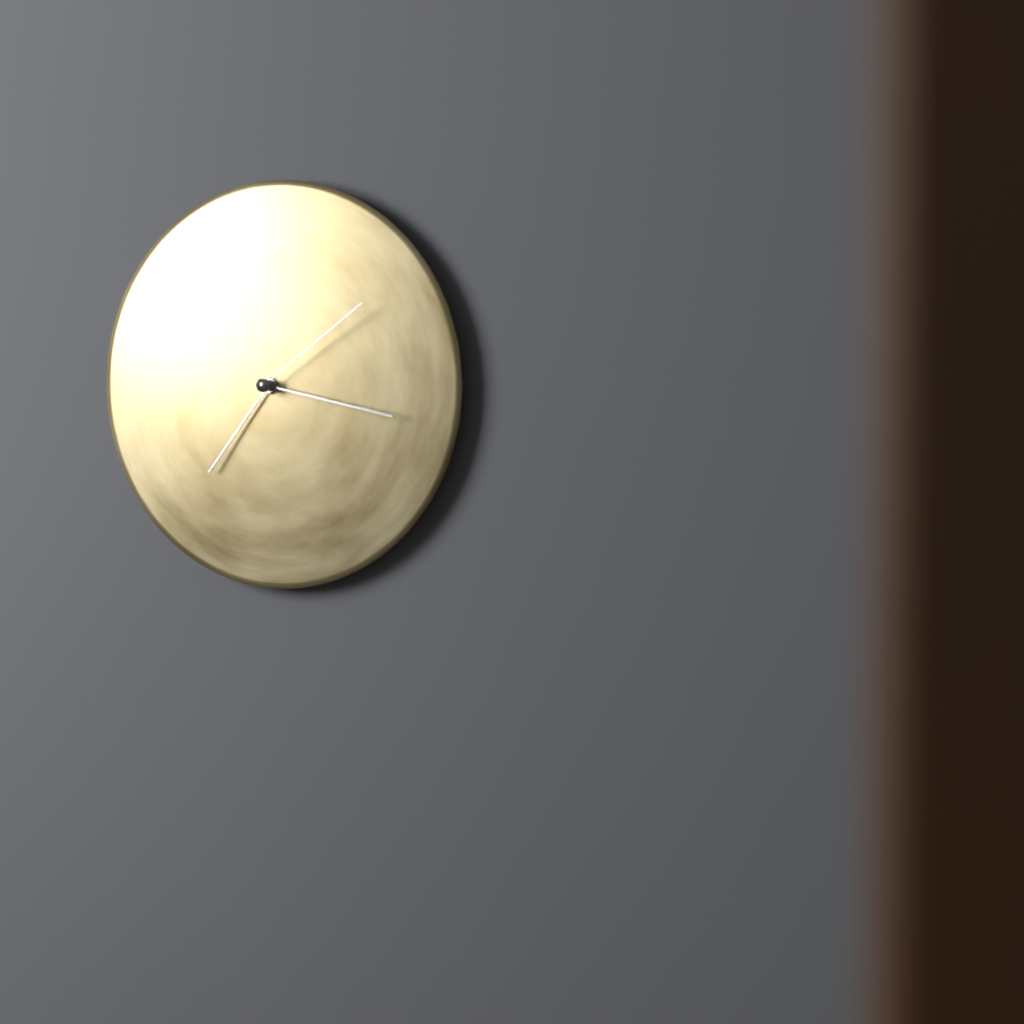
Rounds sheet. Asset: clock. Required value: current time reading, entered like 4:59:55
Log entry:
7:17:09
